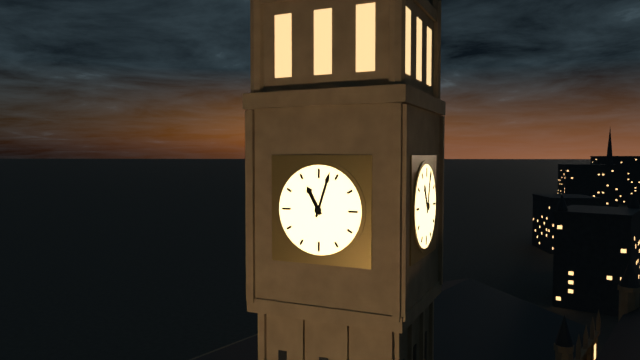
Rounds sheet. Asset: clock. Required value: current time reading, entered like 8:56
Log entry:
11:03
